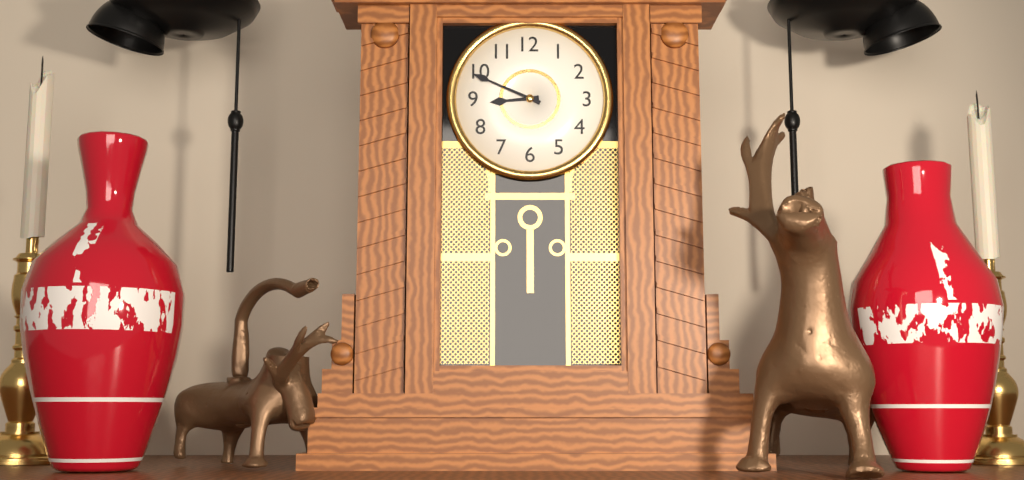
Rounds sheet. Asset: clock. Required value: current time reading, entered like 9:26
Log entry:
8:49
